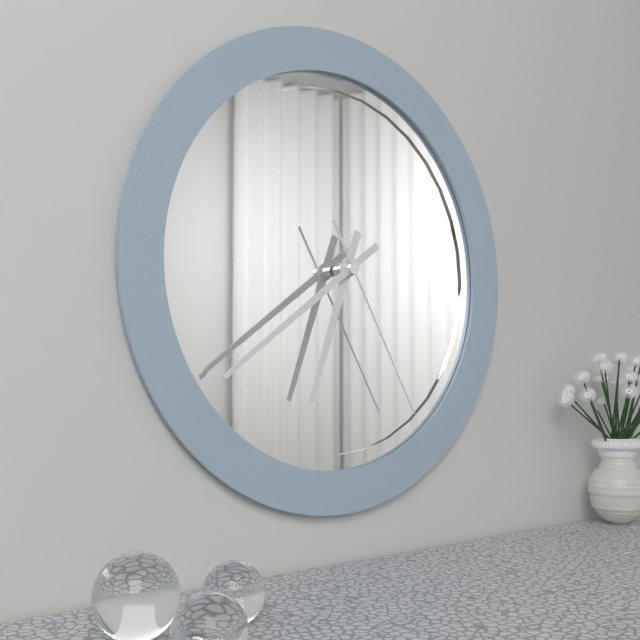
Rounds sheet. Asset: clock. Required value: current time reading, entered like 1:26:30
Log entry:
6:39:25
